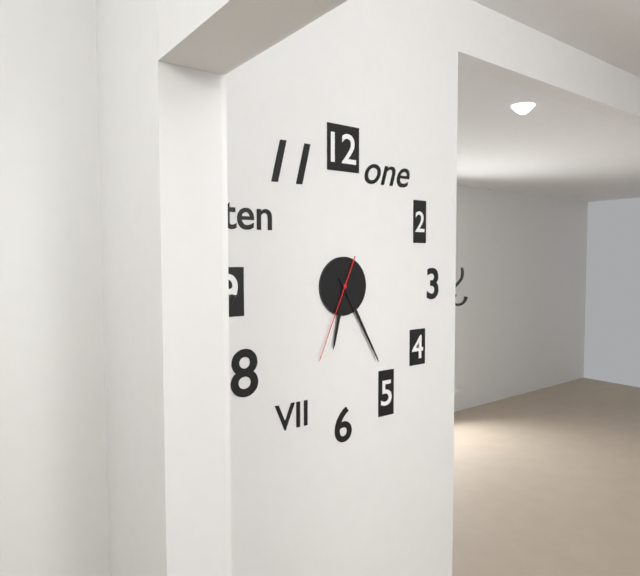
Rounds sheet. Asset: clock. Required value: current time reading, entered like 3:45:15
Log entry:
6:25:34
